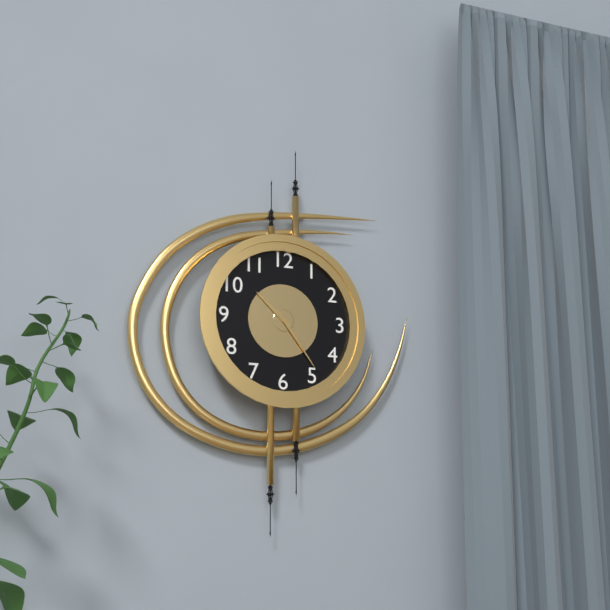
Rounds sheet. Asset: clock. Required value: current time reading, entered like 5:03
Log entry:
10:24
